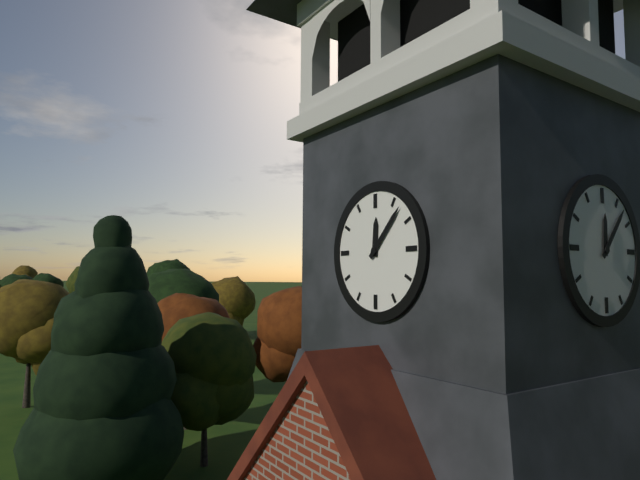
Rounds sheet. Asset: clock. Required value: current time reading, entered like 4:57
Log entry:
12:07
